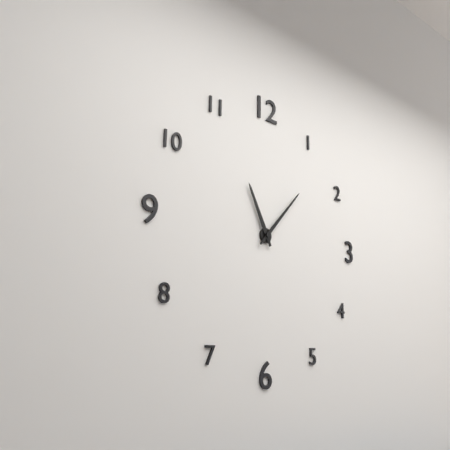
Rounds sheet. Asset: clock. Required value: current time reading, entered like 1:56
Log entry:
11:07
